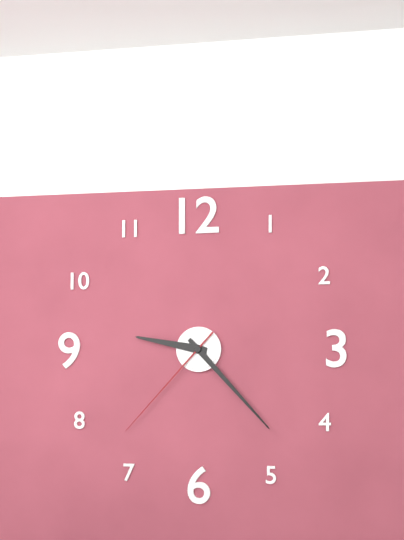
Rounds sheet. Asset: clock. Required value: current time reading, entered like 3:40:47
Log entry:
9:23:37
